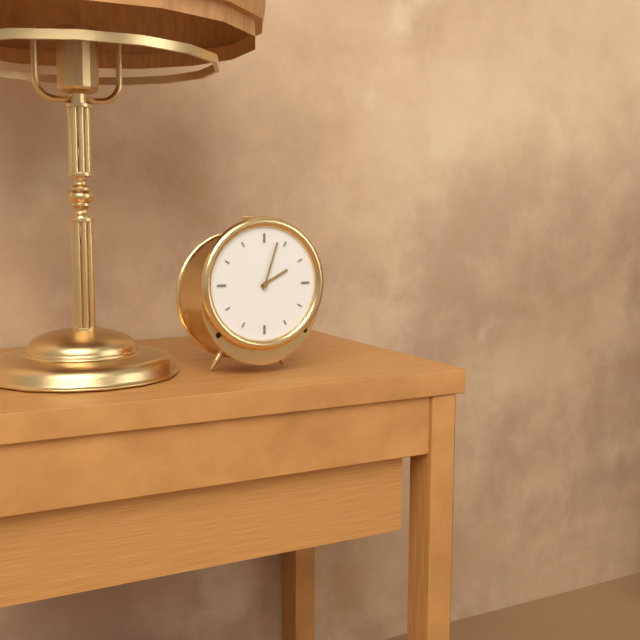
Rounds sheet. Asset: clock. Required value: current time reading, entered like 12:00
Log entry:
2:03
